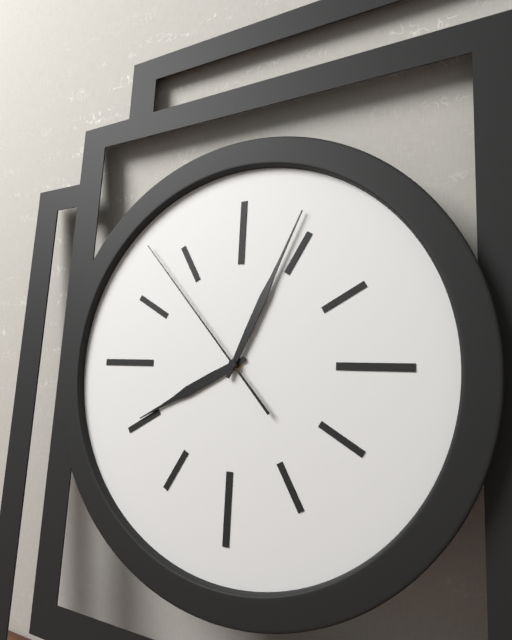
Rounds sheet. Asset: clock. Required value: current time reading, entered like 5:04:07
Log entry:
8:04:53
